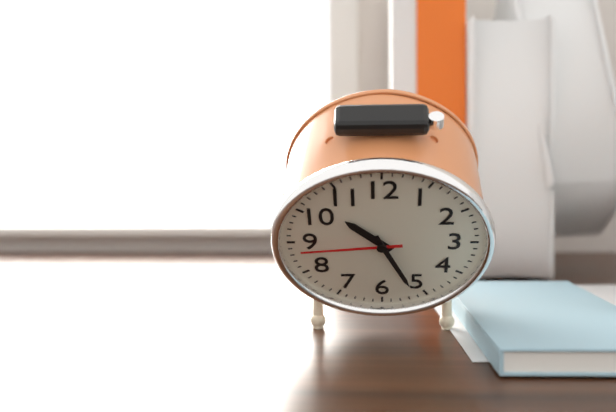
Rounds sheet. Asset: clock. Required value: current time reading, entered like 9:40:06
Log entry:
10:26:44
